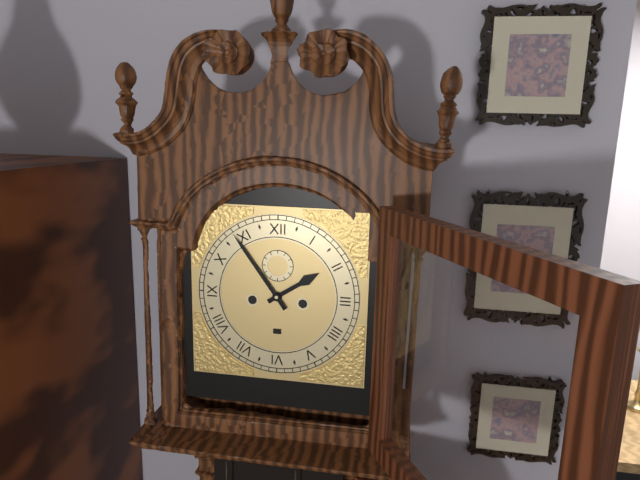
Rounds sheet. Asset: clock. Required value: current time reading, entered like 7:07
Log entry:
1:54
